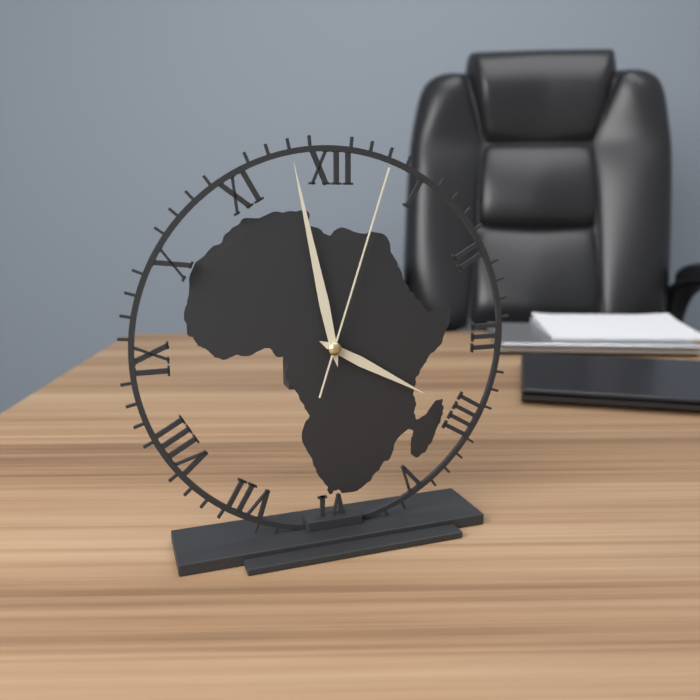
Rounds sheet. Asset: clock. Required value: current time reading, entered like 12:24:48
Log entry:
3:58:03
